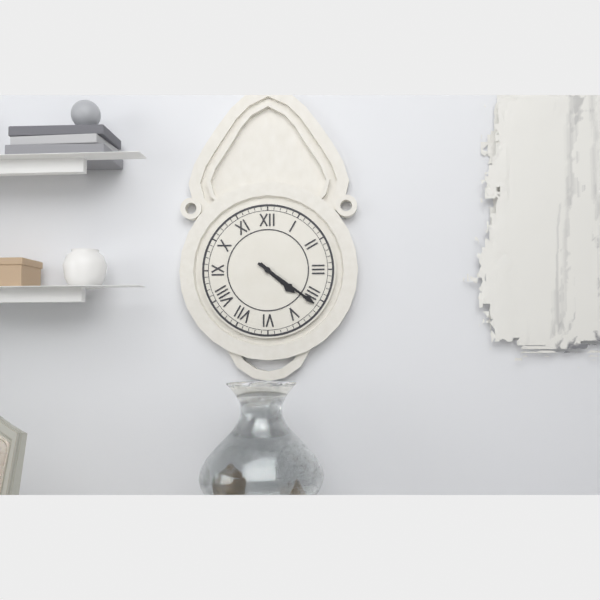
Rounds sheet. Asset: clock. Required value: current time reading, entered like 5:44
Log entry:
4:21
